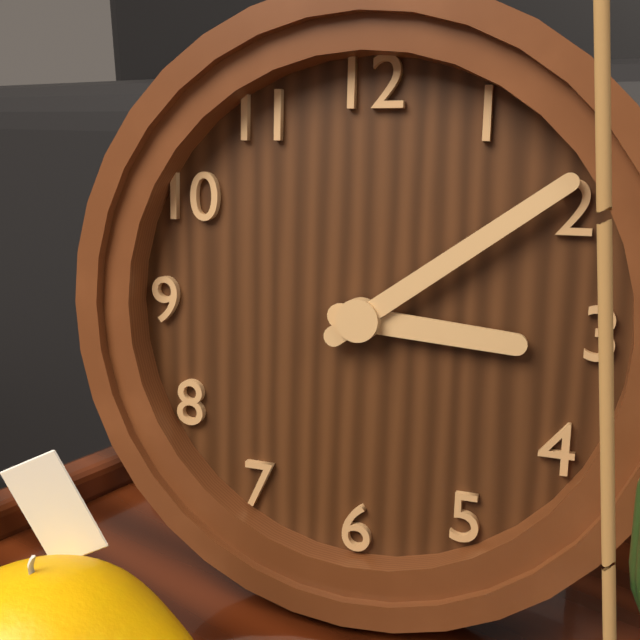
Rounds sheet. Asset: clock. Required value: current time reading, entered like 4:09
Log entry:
3:09
